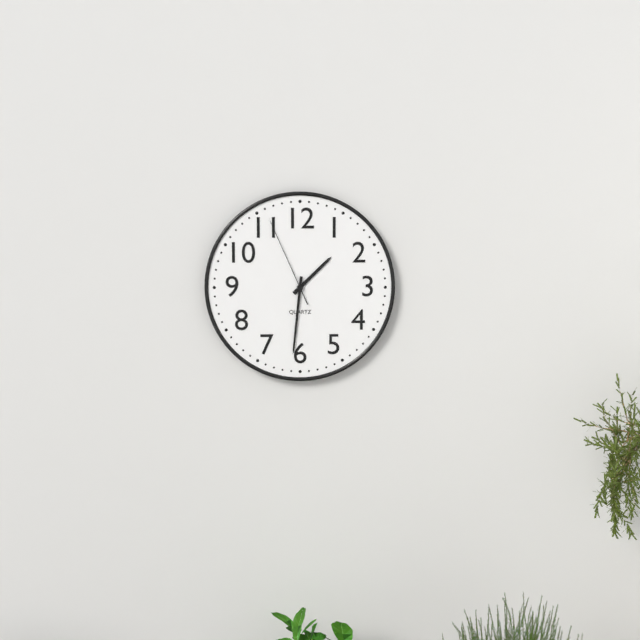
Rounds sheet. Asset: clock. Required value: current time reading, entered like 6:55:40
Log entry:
1:31:56
